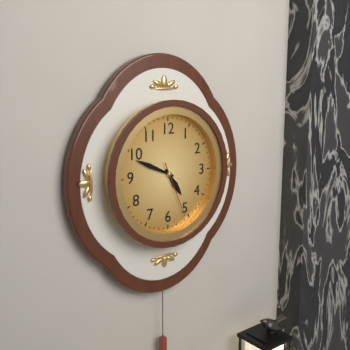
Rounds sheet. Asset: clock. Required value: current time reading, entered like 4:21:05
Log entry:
4:49:26
